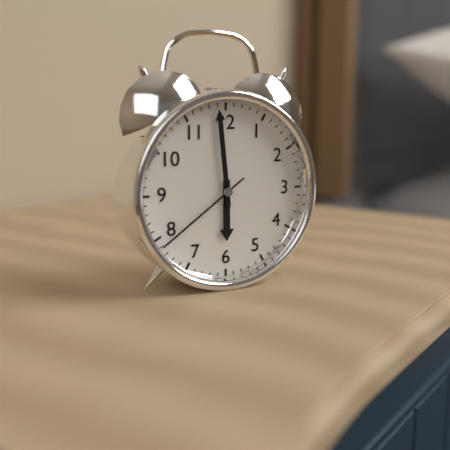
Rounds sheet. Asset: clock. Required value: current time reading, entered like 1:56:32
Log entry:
5:59:39
